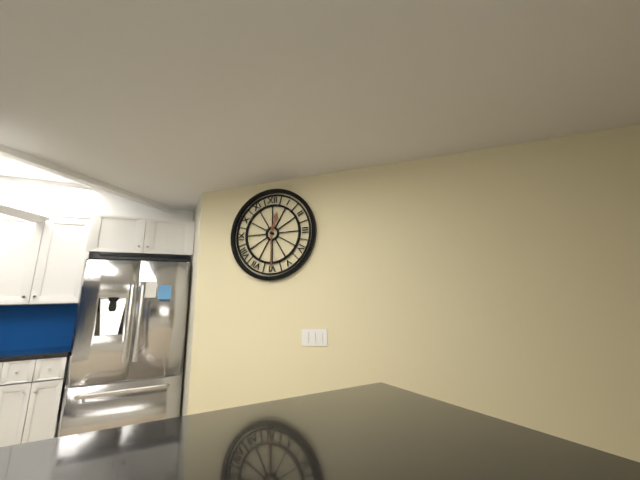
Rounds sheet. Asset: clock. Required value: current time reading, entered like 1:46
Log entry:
12:30
